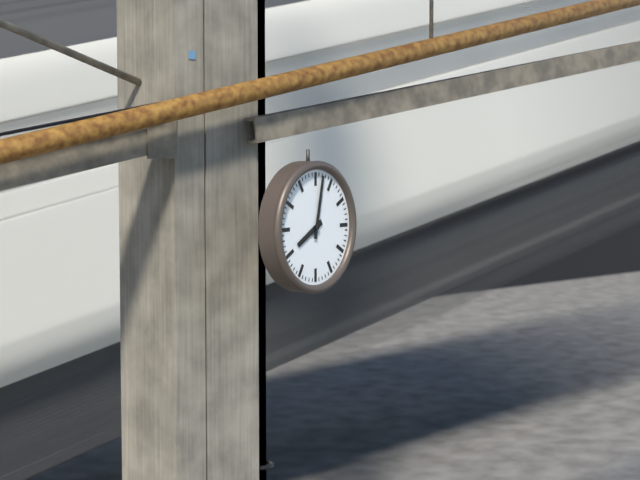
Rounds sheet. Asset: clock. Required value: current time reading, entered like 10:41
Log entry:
8:02
